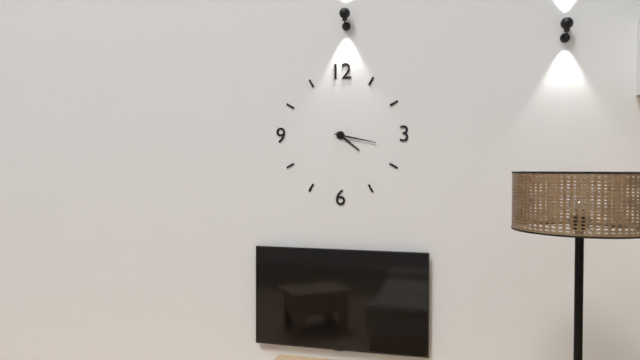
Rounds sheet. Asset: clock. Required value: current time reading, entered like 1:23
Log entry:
4:17
